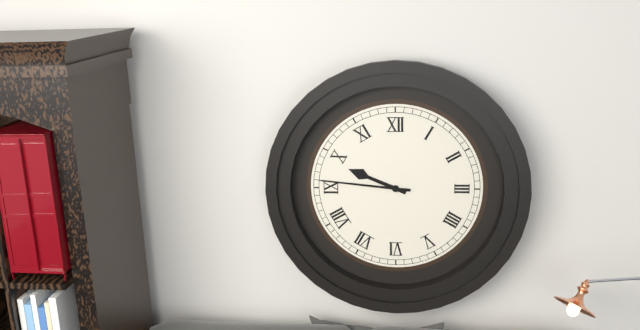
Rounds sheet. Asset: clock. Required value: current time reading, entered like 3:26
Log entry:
9:46
